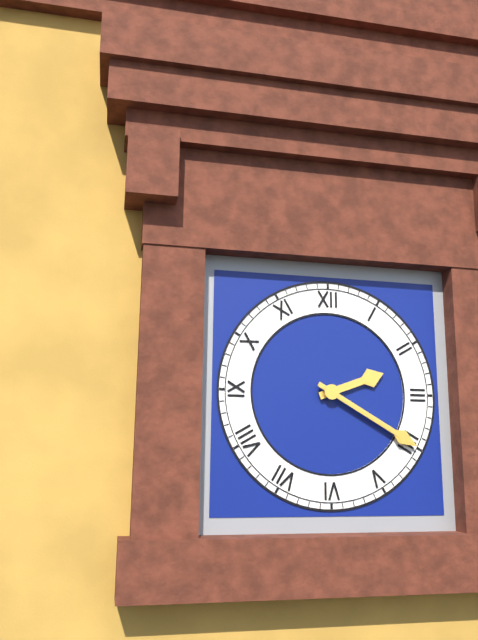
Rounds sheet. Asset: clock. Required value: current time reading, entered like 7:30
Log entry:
2:20
